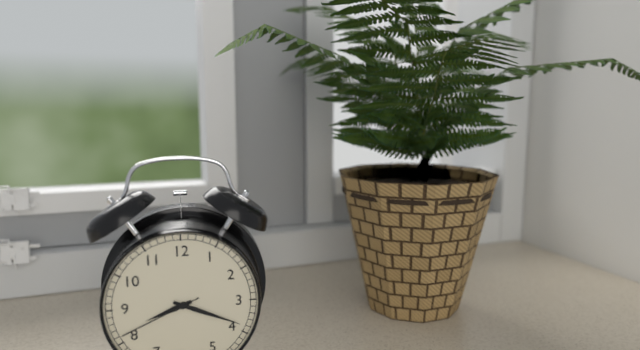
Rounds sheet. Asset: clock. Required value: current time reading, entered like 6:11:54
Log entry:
8:19:41
